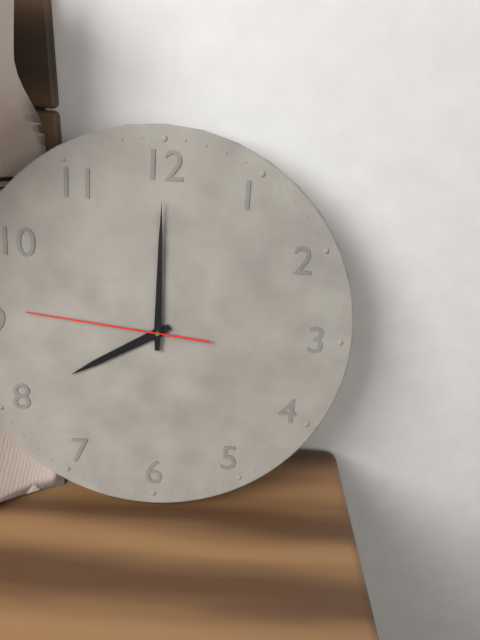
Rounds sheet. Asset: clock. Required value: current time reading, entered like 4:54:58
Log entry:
8:00:46
